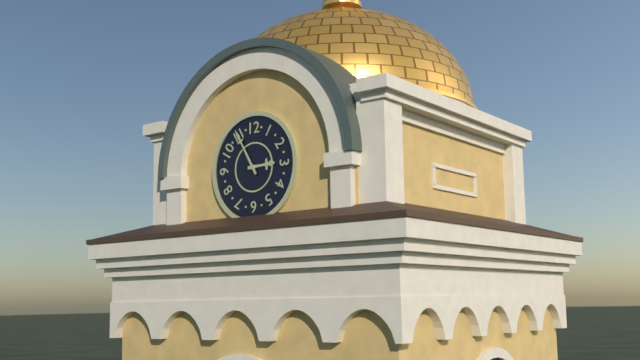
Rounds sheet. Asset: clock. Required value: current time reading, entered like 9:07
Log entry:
2:55
